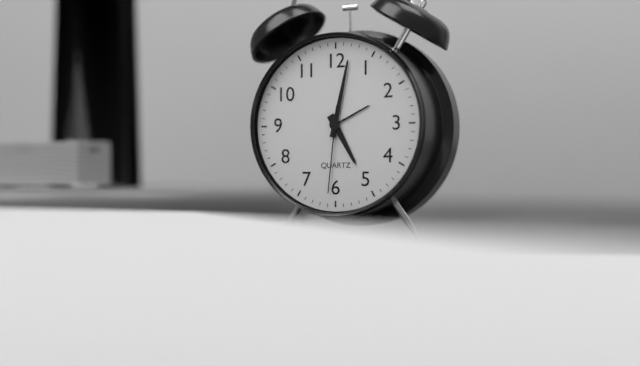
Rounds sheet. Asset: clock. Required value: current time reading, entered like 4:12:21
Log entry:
5:02:31
